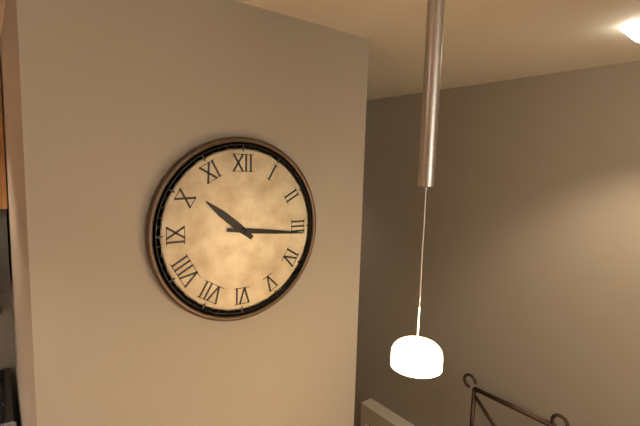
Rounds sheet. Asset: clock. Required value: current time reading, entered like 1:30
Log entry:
10:16
